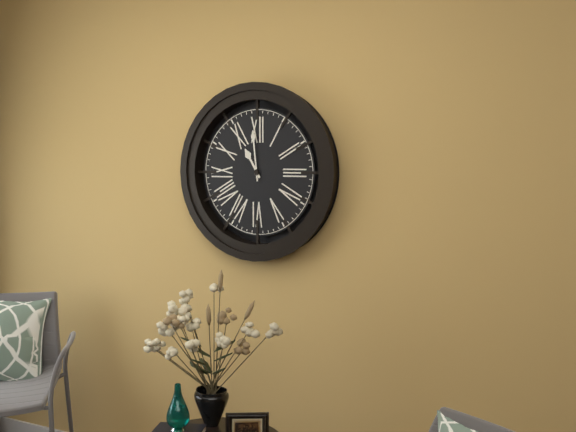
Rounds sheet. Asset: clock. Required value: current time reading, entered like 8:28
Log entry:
10:59
